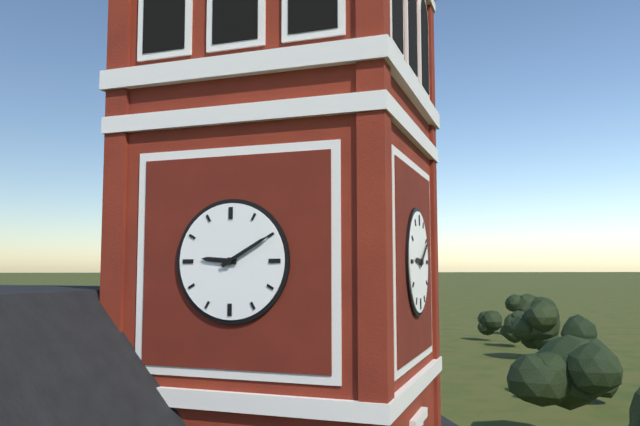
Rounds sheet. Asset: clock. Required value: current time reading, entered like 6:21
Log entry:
9:10
